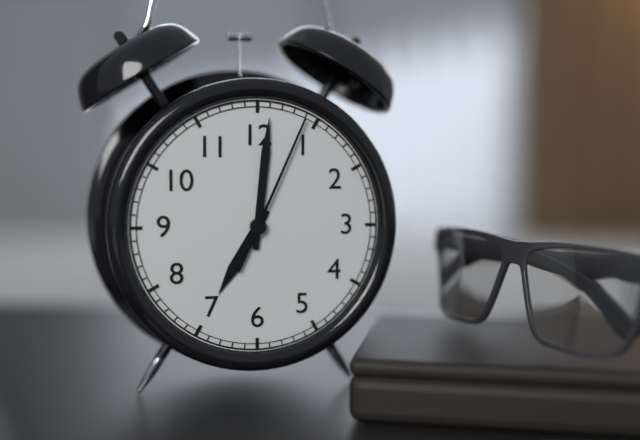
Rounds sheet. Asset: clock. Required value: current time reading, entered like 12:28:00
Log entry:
7:01:04
